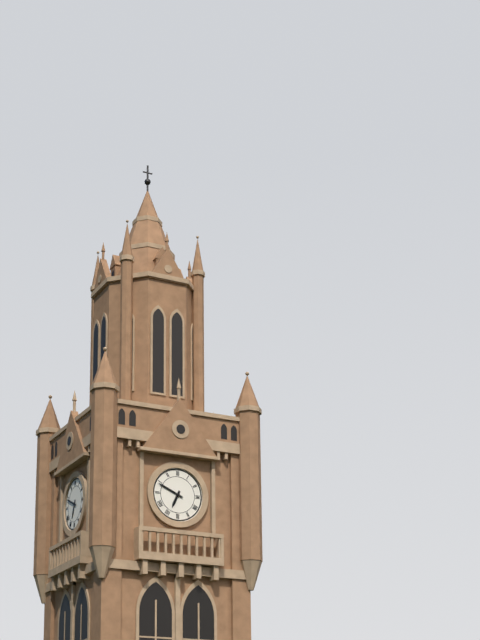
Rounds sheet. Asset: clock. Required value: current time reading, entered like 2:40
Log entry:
6:49
